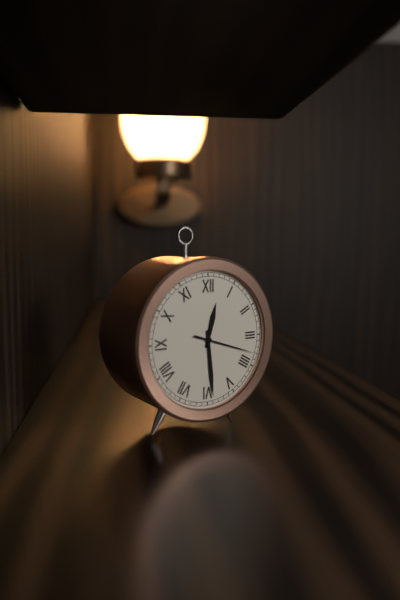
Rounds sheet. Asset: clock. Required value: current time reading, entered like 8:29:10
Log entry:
12:29:18
